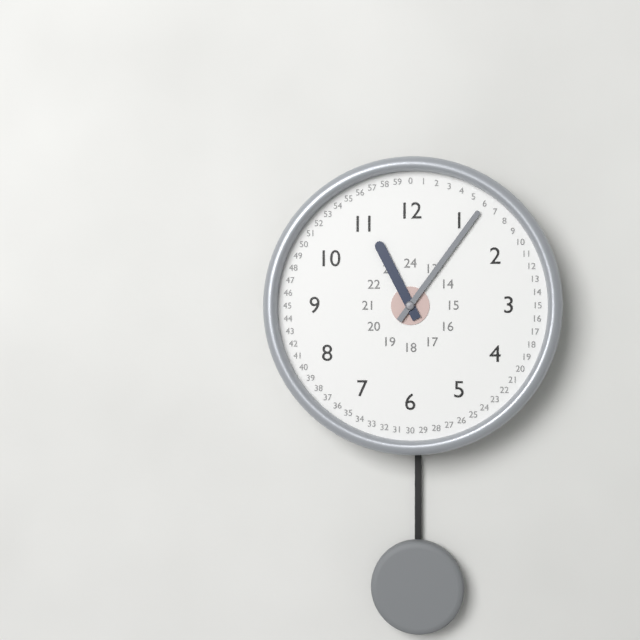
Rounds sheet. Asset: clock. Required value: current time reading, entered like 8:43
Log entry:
11:06
